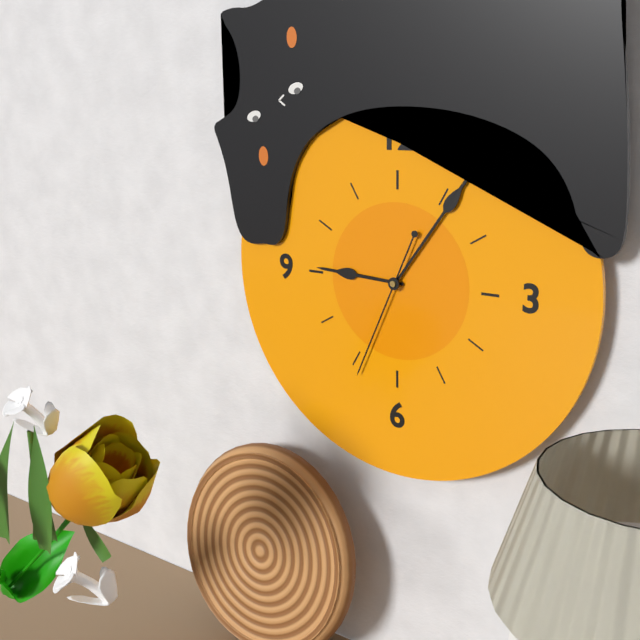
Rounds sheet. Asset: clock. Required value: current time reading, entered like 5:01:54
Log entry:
9:06:34
